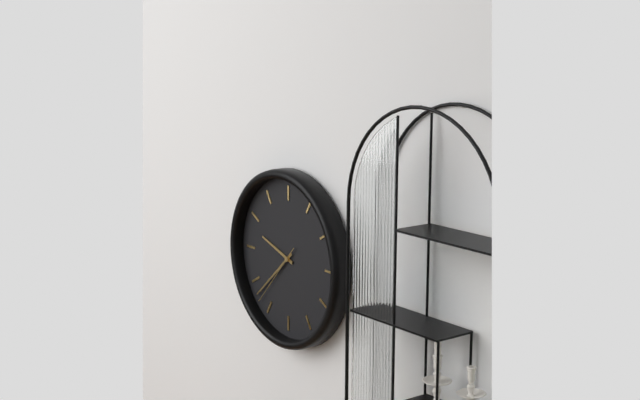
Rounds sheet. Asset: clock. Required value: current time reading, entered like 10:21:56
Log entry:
9:38:37
